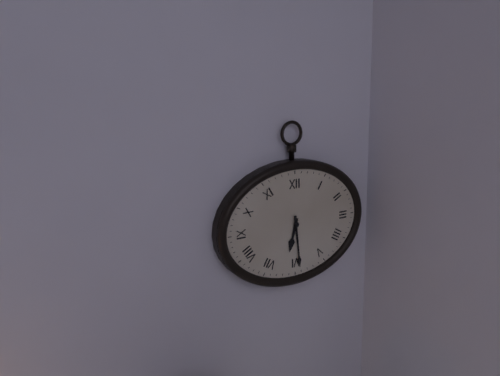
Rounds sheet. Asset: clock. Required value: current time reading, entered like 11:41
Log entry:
6:29
